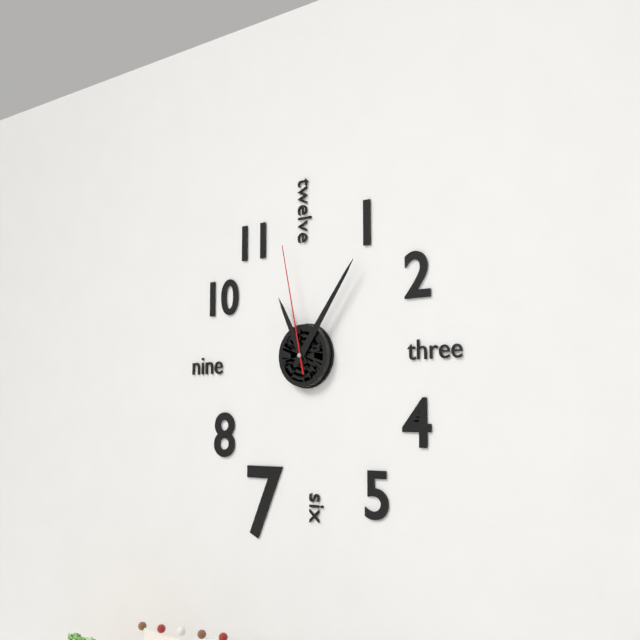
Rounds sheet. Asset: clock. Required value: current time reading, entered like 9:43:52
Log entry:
11:06:58
